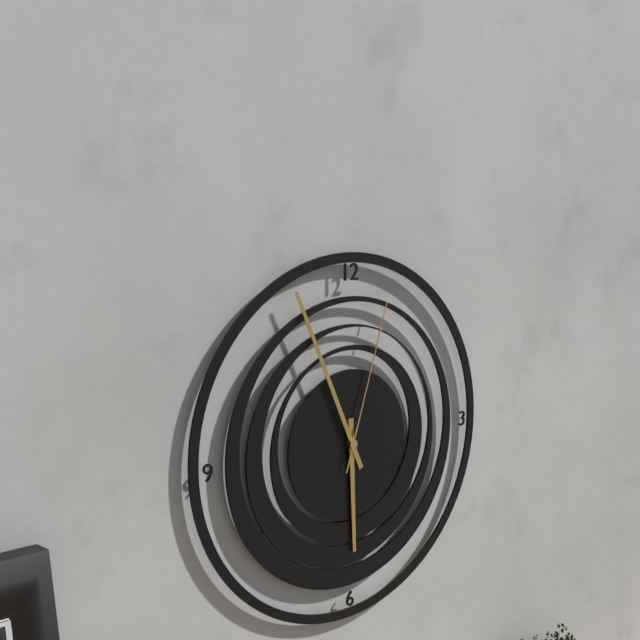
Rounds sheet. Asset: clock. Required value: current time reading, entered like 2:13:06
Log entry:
5:56:03
